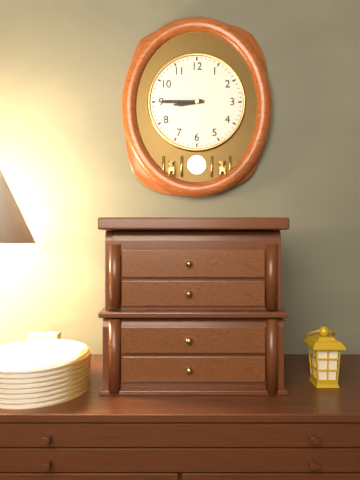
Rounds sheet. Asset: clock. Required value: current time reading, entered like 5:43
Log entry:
8:45
